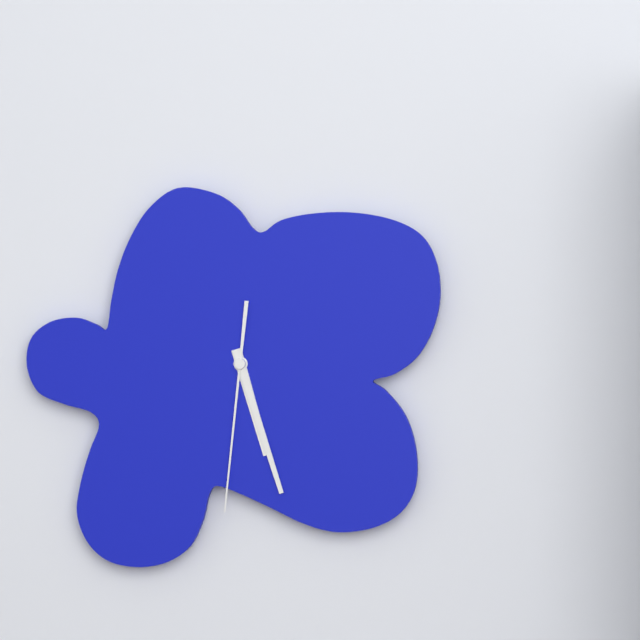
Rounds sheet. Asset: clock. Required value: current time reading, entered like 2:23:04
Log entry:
5:27:31
